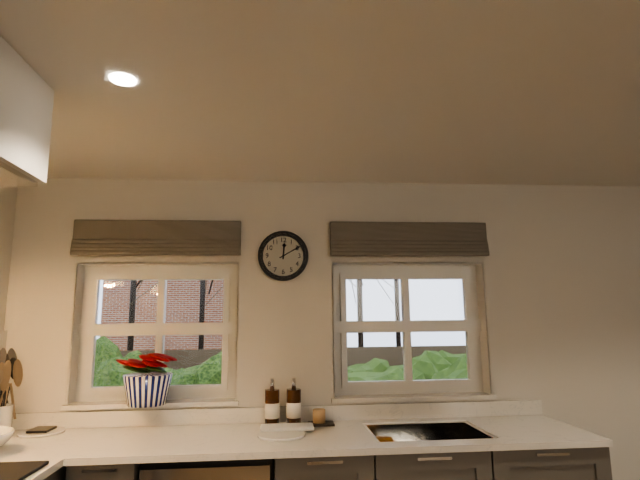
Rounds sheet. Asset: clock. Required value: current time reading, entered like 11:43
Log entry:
12:10
